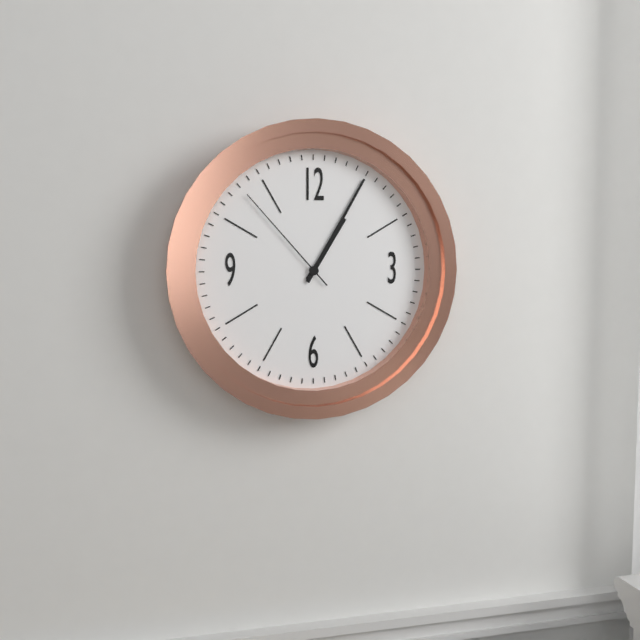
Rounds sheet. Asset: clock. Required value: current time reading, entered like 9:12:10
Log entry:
1:05:53
